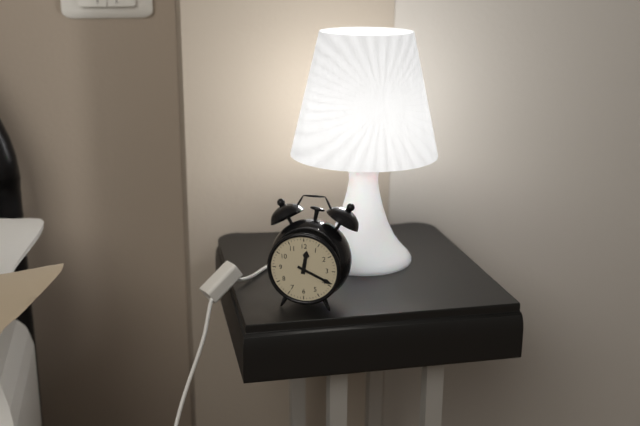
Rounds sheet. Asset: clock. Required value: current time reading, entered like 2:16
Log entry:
12:19
